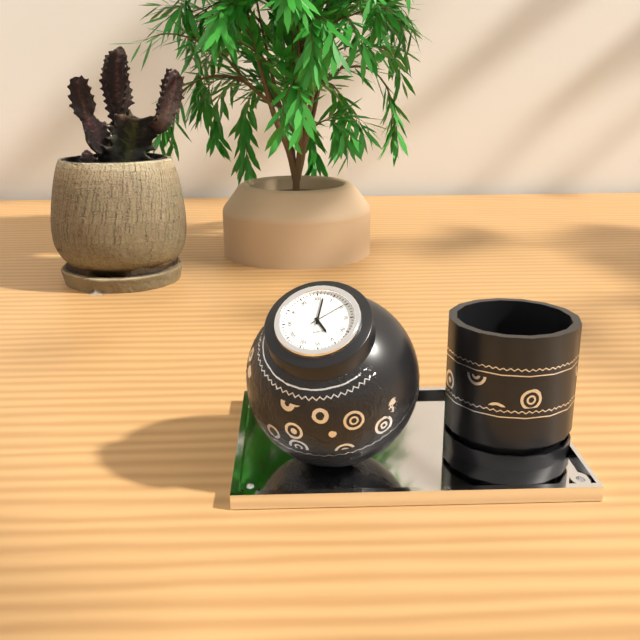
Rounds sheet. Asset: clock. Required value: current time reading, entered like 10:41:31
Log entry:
5:02:10
